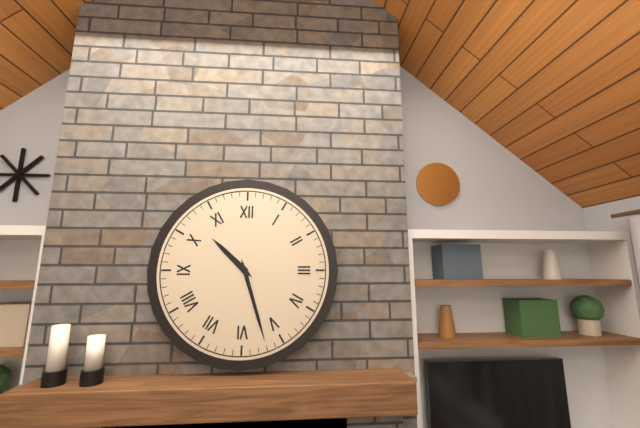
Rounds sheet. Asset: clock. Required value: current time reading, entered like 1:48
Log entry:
10:27
